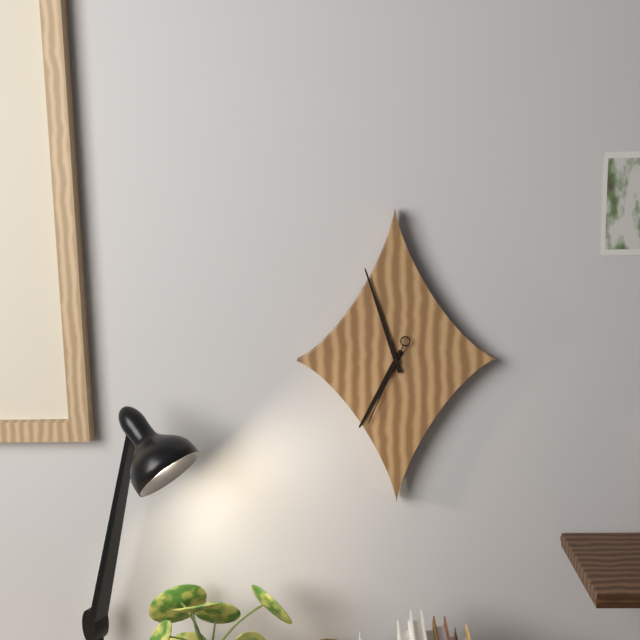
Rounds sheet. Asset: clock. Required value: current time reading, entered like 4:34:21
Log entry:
6:57:34
